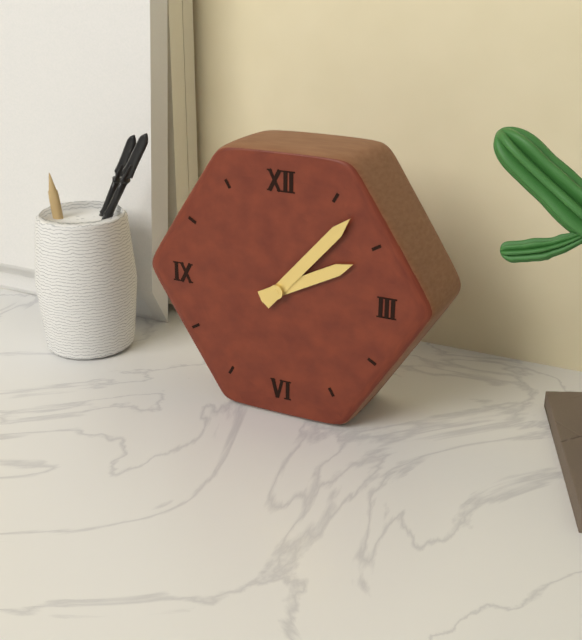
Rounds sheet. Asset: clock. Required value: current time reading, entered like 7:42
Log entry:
2:07
